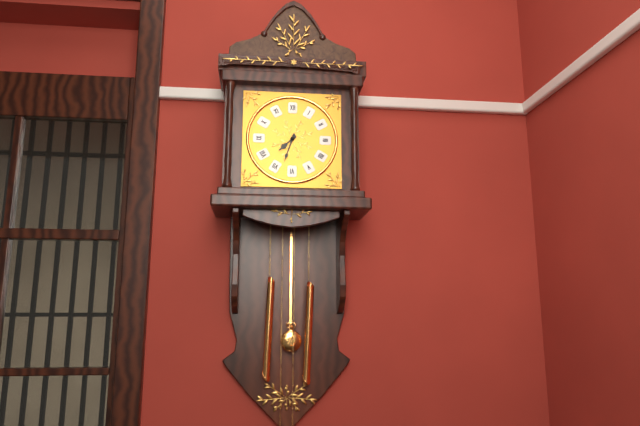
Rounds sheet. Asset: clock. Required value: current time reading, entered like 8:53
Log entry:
7:33
